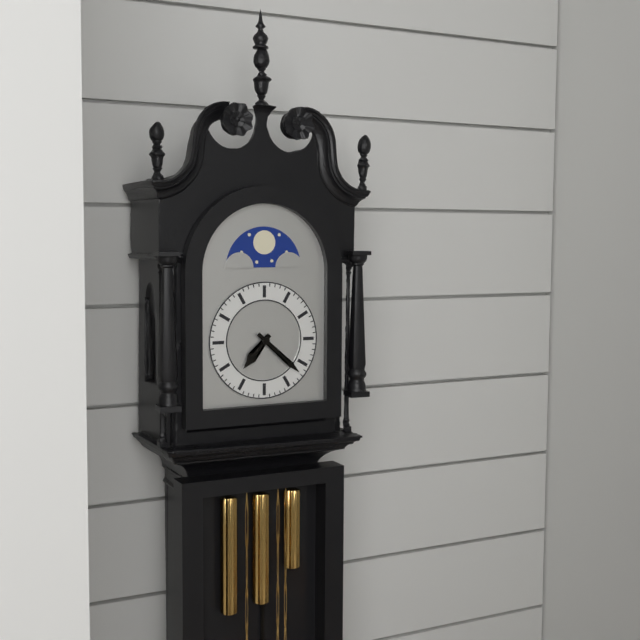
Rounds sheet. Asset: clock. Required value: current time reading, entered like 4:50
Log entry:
7:22
